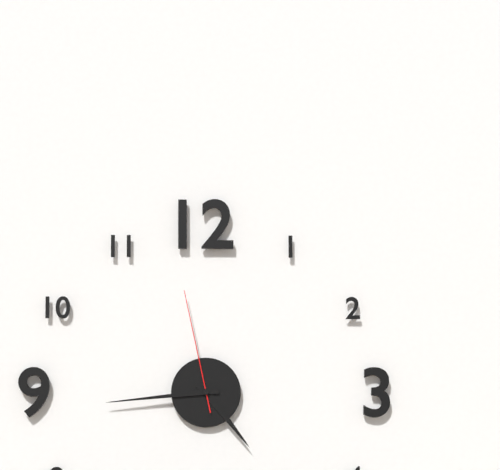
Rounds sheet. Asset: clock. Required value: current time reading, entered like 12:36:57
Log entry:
4:44:58
